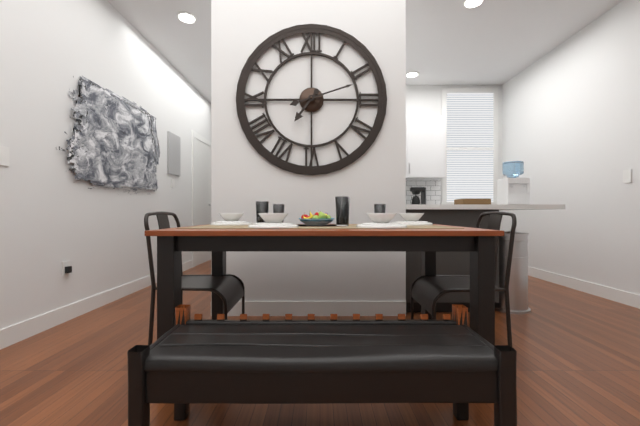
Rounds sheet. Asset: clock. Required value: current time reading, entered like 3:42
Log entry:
7:12
